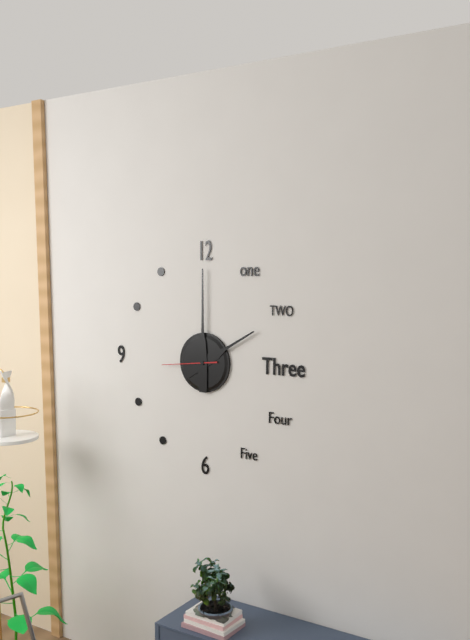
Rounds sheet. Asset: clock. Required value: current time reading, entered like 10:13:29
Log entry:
2:00:44
